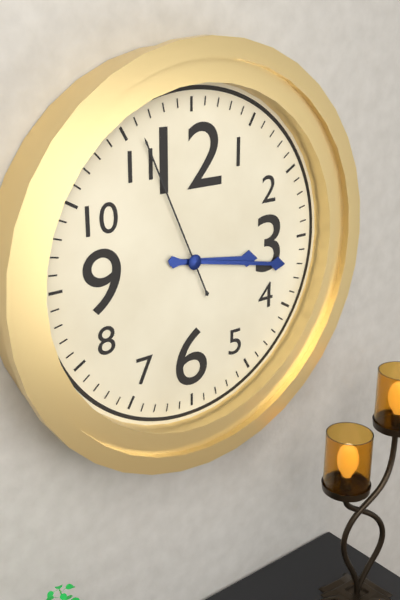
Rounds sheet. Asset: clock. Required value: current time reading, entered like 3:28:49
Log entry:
3:17:56
